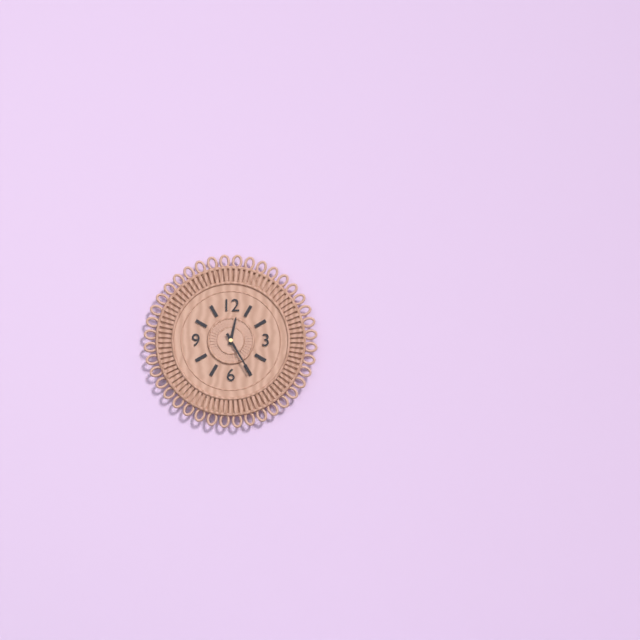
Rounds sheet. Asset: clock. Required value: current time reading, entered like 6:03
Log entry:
12:25
